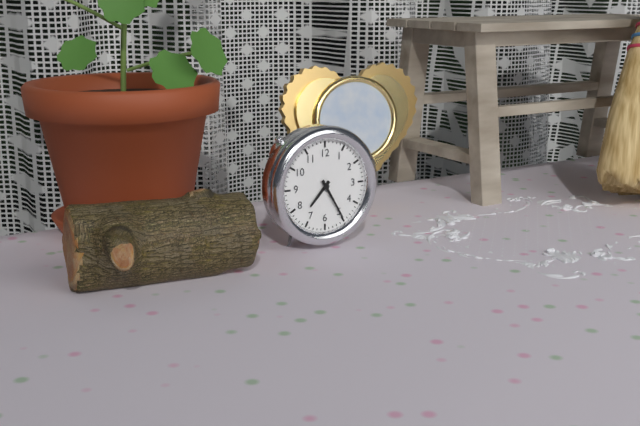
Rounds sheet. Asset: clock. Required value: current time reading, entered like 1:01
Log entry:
7:25
